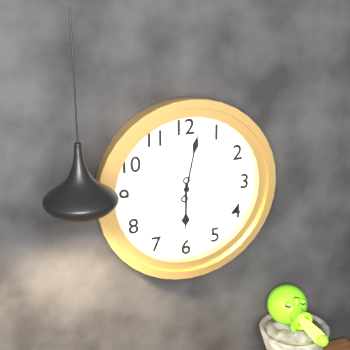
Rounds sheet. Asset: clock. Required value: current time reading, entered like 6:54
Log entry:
6:02
